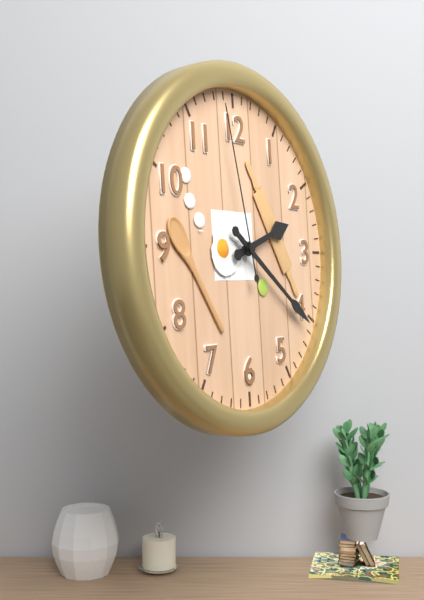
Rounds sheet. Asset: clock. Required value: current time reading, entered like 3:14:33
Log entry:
2:21:58
